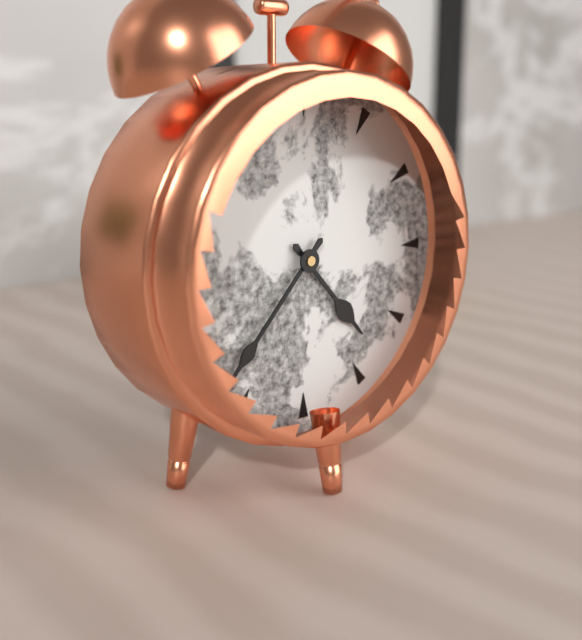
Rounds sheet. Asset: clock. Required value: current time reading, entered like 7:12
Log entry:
4:37
